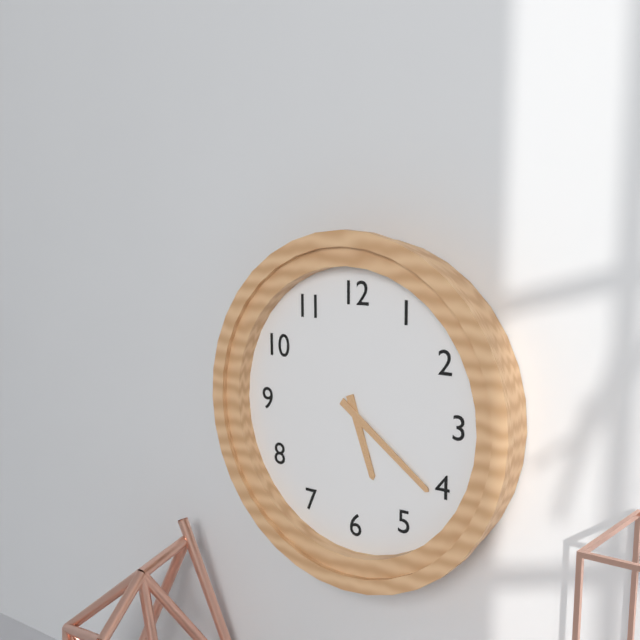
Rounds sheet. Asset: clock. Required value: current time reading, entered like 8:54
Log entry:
5:21
